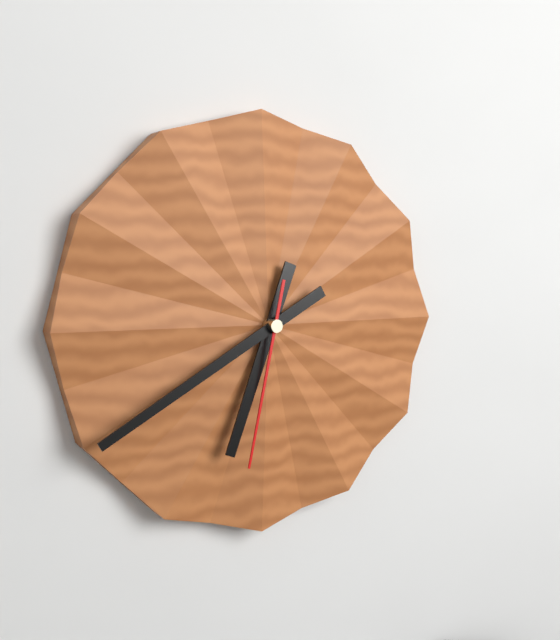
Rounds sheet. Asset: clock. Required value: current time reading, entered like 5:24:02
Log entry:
6:40:32
